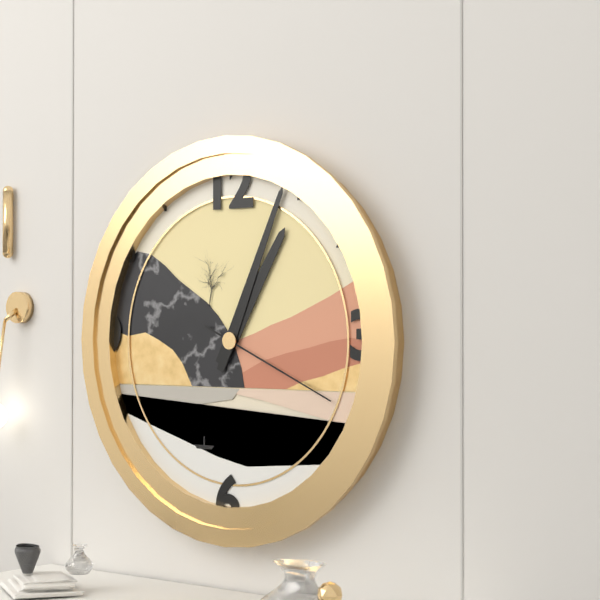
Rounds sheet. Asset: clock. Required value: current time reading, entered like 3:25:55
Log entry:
1:04:19
